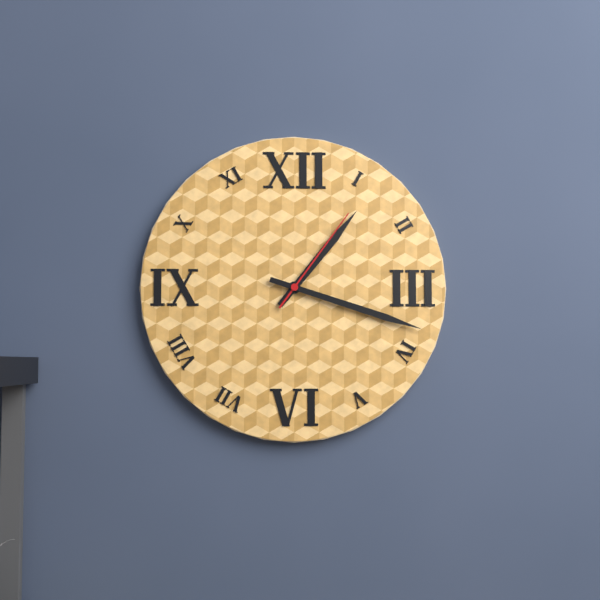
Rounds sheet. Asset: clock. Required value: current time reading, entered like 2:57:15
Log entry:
1:18:06
